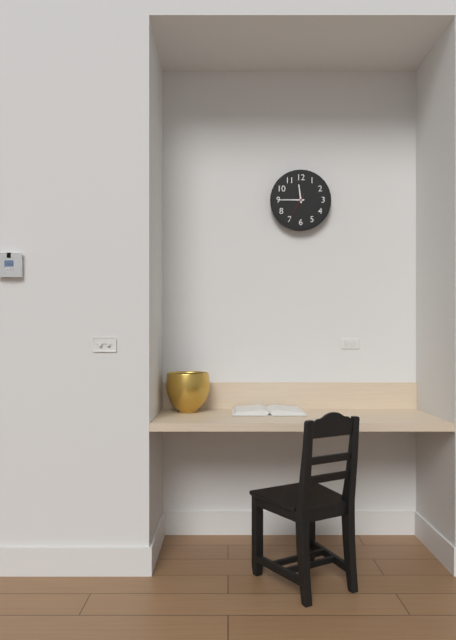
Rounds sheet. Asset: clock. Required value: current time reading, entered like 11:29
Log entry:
11:45
